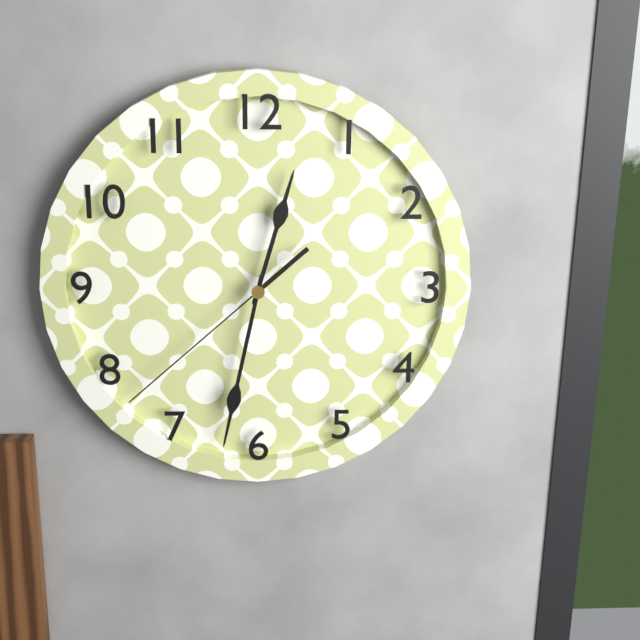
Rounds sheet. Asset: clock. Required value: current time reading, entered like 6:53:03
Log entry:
12:32:38
